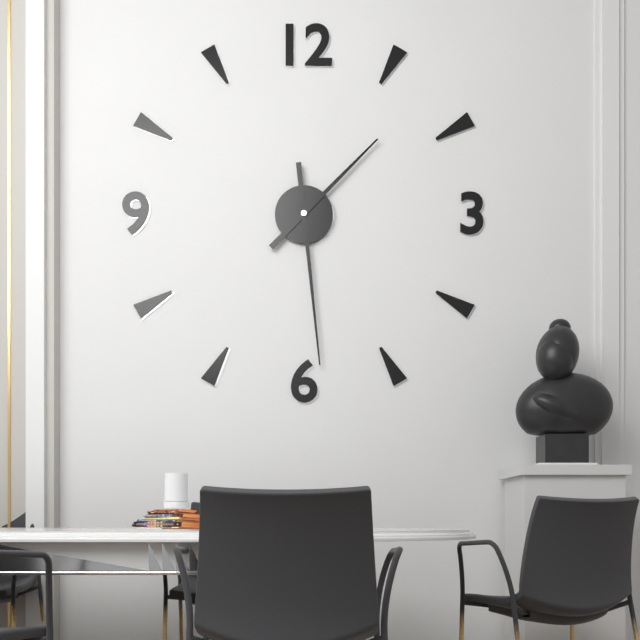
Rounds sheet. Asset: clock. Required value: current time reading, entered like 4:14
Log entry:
1:29
